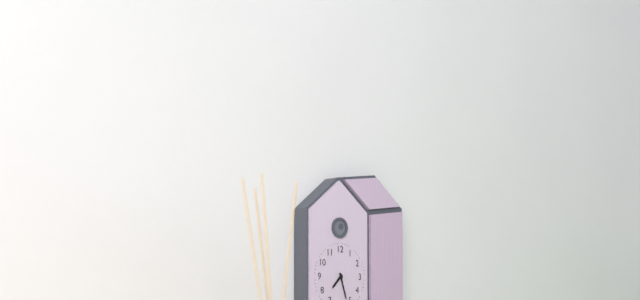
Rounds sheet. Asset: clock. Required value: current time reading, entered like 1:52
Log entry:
7:27
